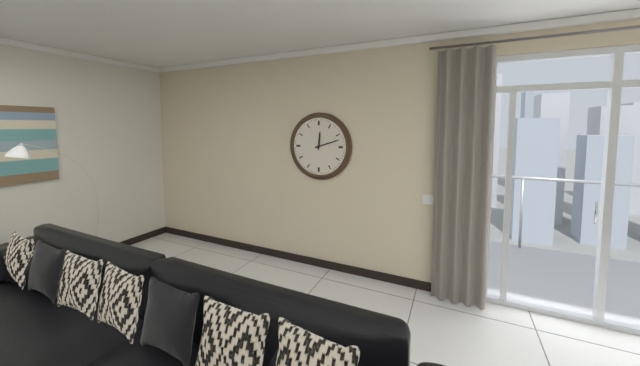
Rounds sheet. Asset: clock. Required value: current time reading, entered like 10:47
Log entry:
12:12
